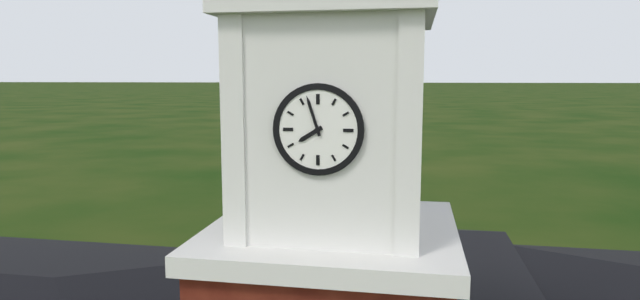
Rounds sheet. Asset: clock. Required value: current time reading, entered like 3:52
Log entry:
7:57
